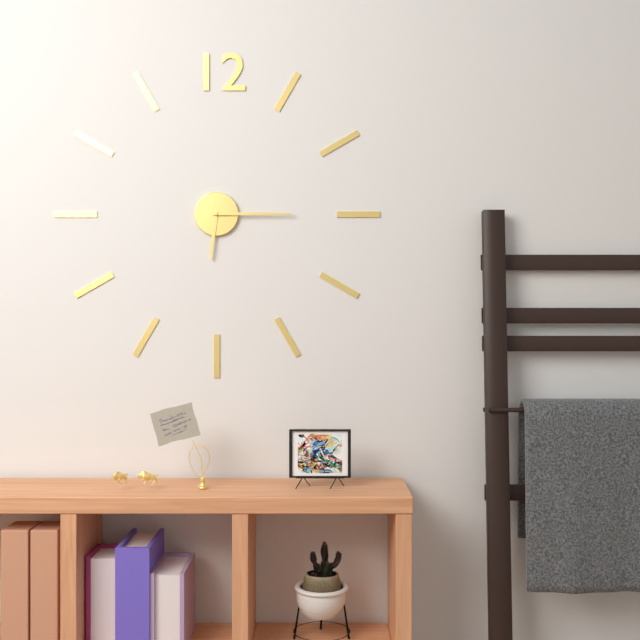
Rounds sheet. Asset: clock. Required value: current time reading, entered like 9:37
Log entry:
6:15
